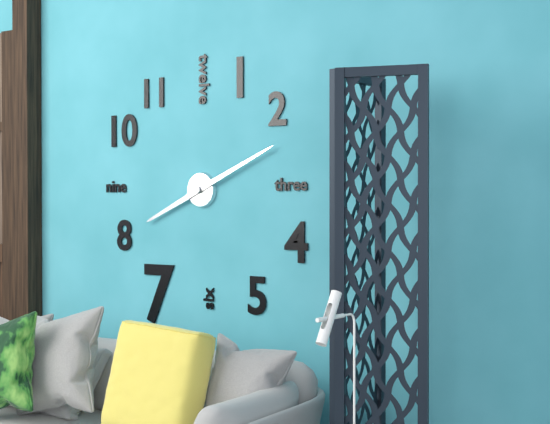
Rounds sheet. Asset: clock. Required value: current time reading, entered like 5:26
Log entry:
8:11
